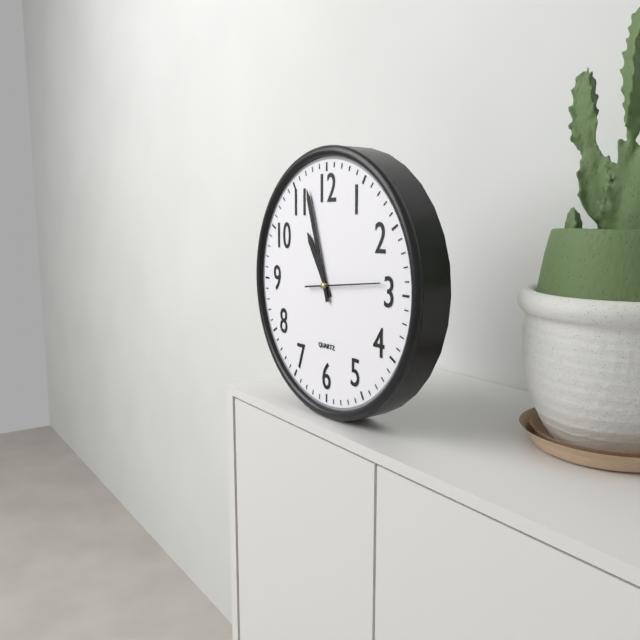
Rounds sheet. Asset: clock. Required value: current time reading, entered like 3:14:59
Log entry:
10:57:14
